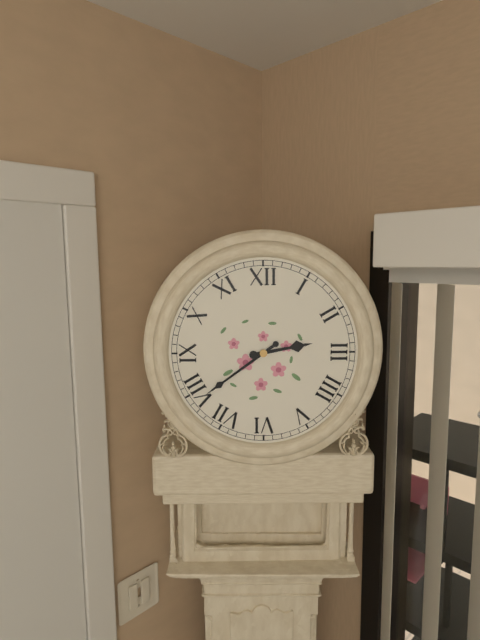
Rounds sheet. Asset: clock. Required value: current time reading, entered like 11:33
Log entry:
2:39
